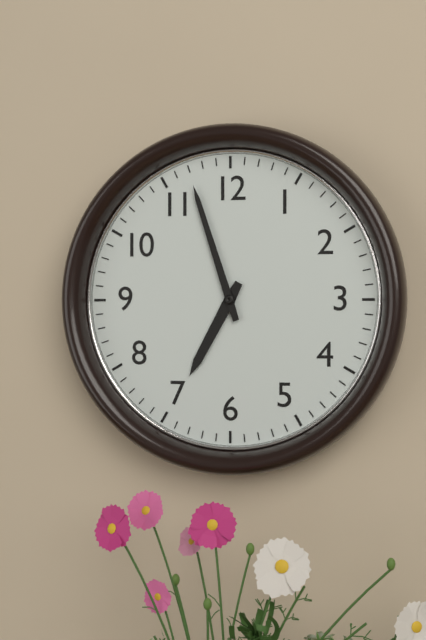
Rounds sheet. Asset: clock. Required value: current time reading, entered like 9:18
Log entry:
6:57
